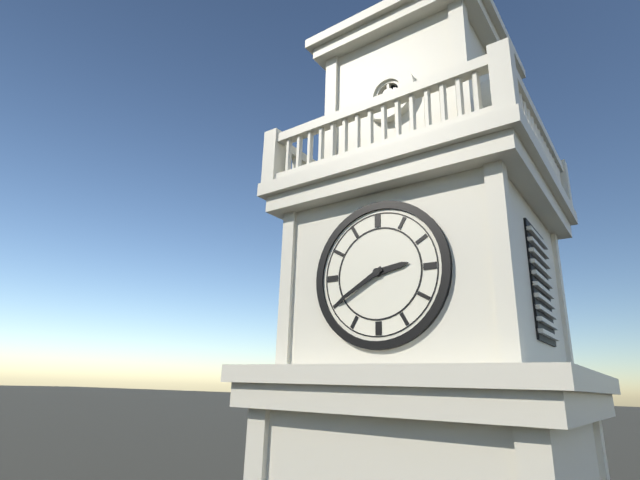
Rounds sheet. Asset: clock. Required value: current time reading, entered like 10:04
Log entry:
2:40
